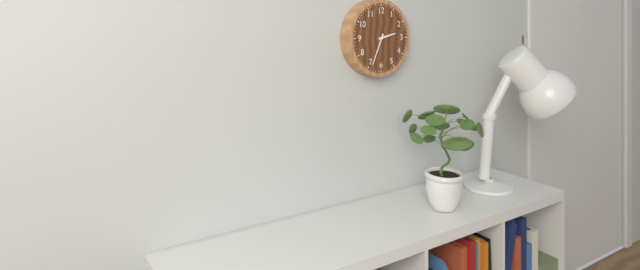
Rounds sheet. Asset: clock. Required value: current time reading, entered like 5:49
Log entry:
2:34
